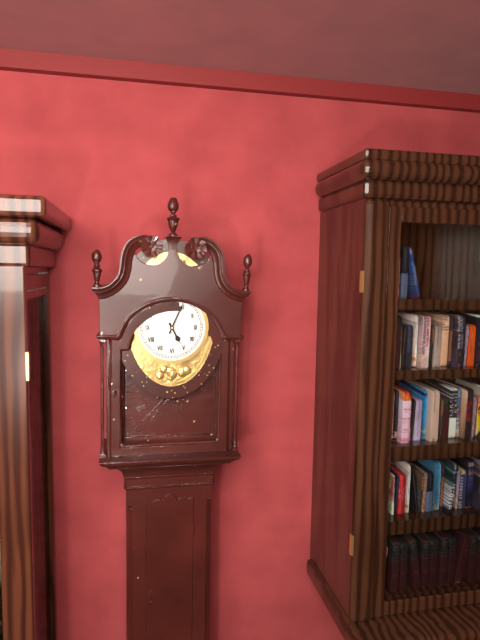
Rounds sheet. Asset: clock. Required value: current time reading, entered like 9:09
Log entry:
5:04
